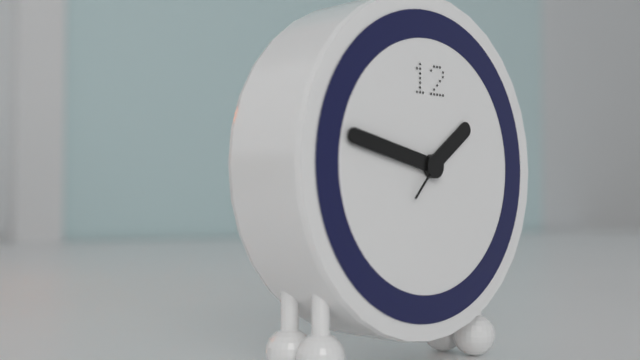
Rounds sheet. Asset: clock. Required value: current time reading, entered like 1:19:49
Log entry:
1:47:37
